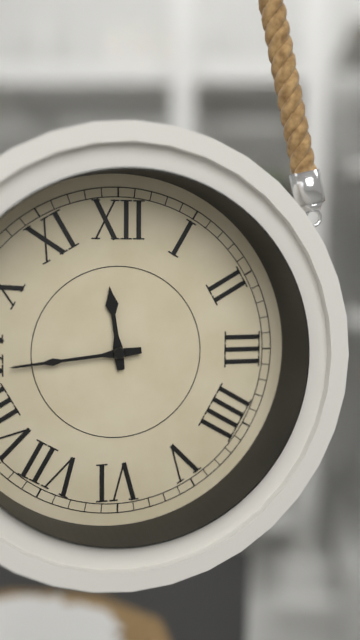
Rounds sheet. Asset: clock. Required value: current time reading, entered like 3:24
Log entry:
11:44
